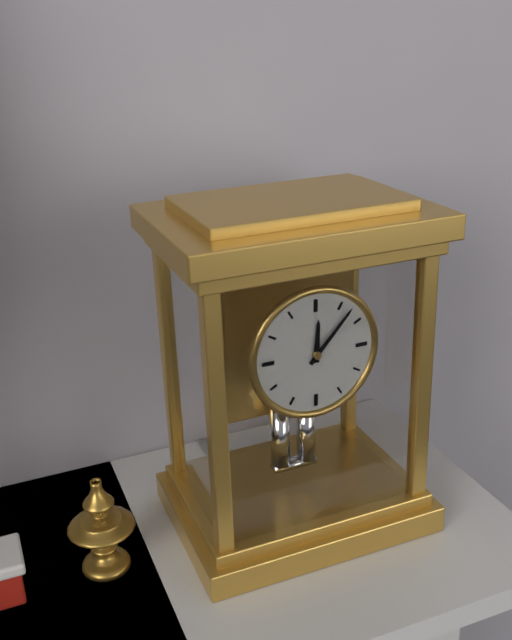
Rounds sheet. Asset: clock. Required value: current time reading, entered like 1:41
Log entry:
12:07
